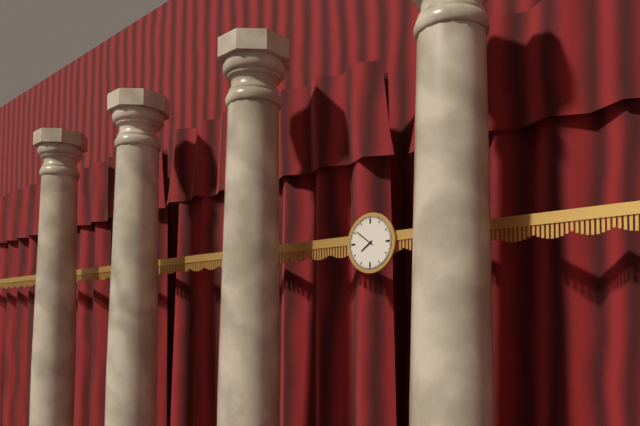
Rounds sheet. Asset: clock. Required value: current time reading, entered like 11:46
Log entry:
7:51
